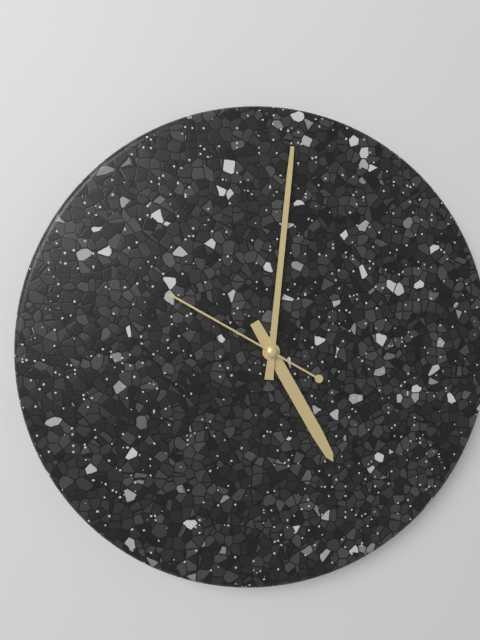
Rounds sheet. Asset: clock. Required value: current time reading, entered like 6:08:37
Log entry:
5:01:50
